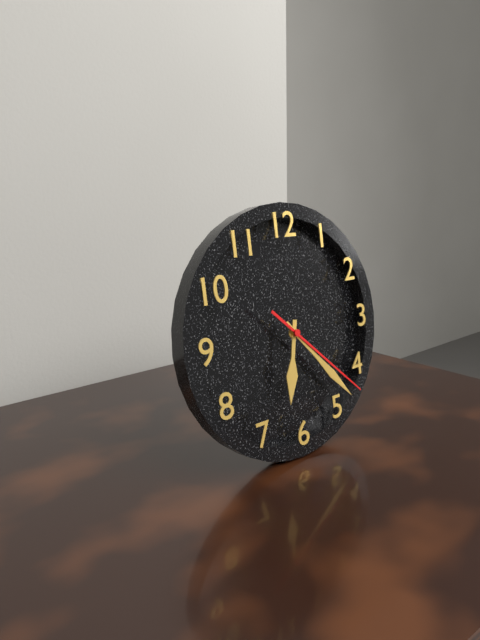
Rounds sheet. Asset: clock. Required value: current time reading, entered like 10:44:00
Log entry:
6:23:22
